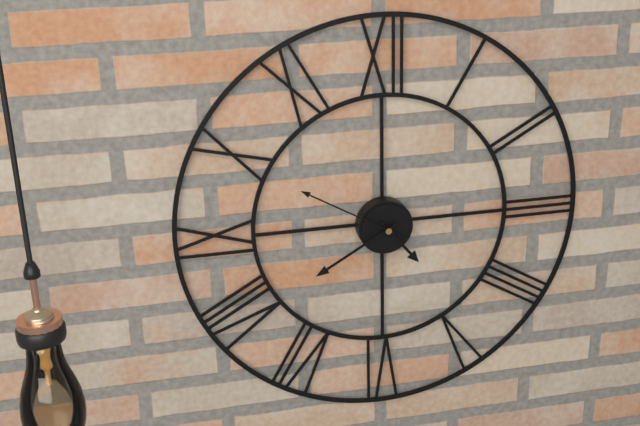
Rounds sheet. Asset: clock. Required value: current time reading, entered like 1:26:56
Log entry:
4:40:50
